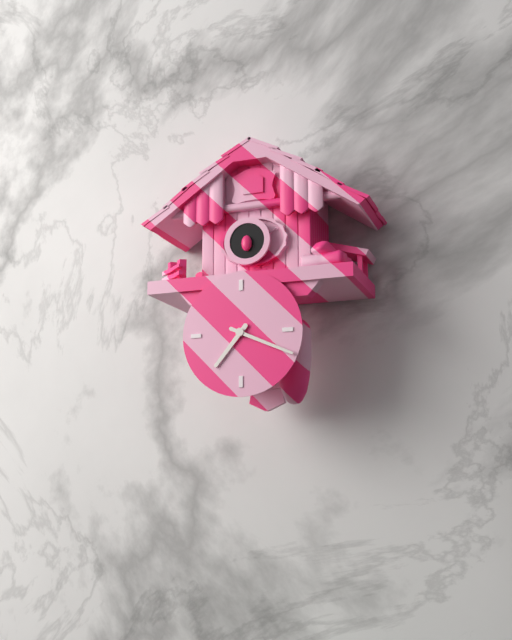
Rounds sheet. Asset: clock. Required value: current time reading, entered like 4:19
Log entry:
7:19
